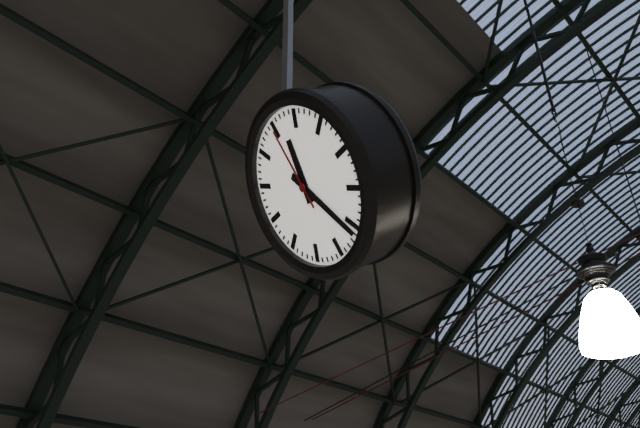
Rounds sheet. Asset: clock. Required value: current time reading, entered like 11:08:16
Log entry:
12:26:00
